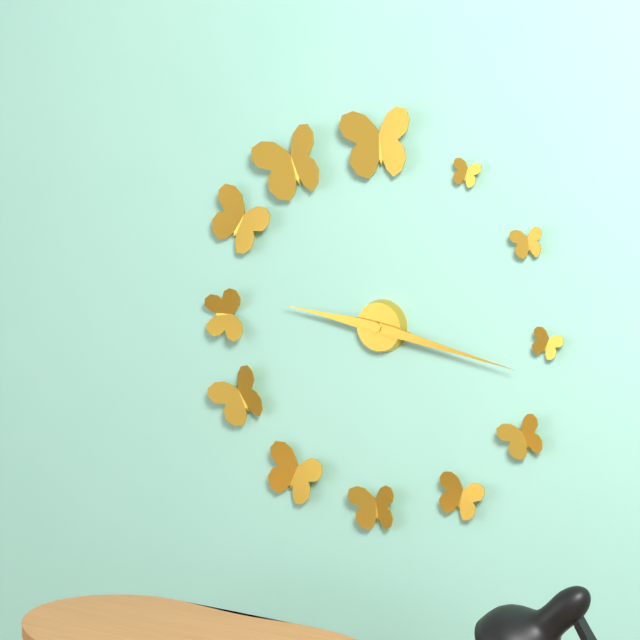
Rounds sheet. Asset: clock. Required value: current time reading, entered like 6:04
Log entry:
9:17
